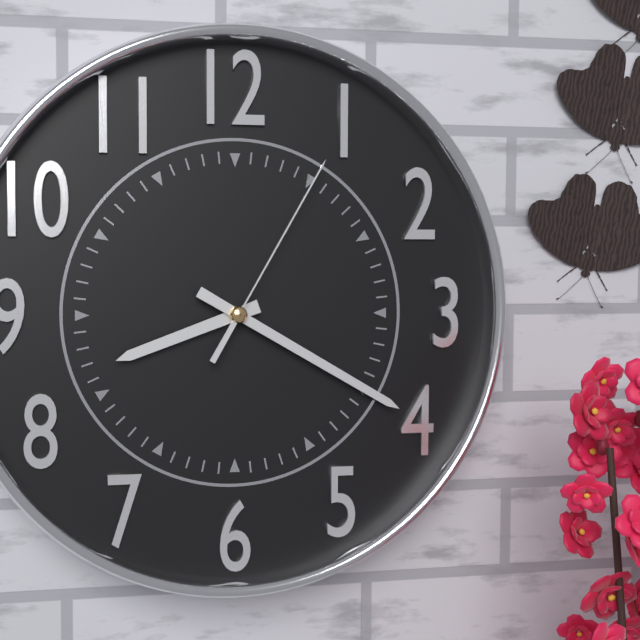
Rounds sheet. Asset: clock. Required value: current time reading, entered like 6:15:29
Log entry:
8:20:05
